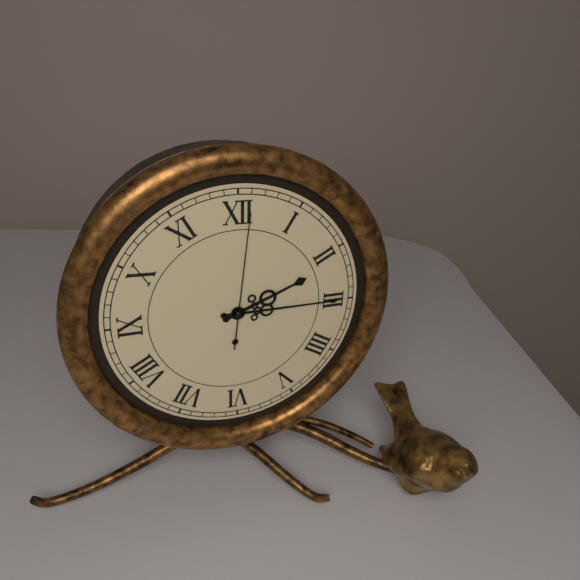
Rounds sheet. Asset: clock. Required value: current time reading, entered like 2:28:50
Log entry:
2:15:01
